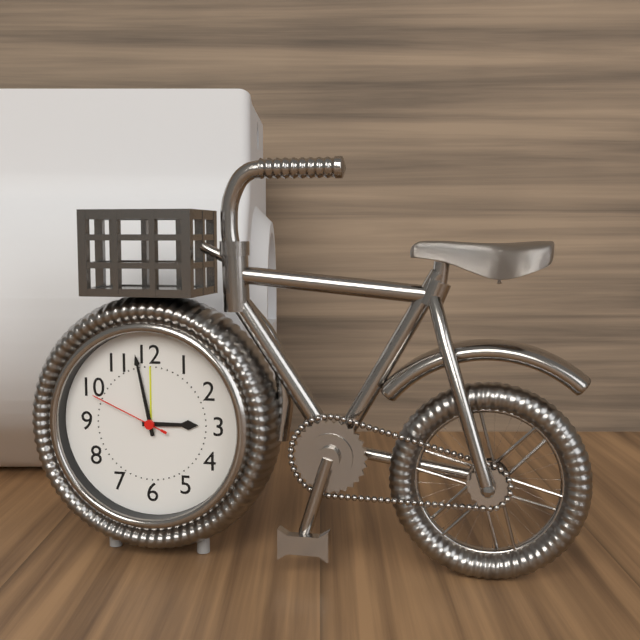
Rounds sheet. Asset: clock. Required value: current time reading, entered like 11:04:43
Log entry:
2:58:49
